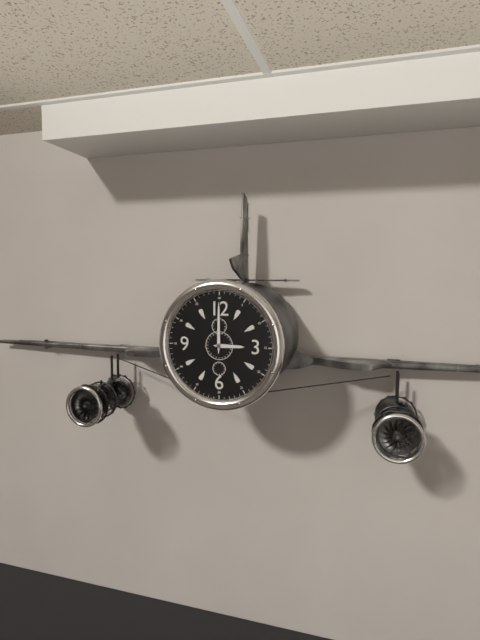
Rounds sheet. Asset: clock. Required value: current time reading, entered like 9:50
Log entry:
3:00
